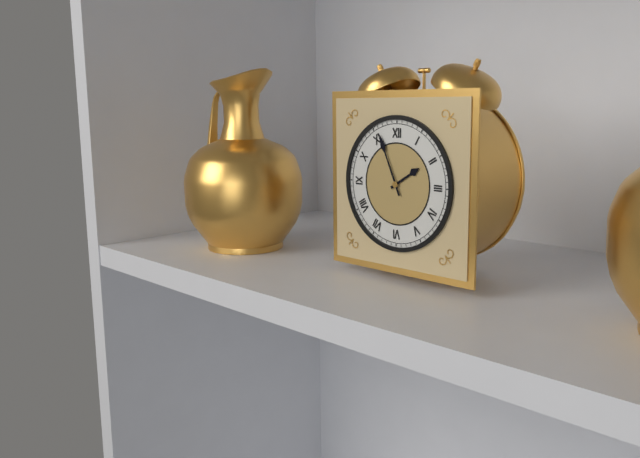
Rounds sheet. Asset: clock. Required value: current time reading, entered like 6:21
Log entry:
1:56
